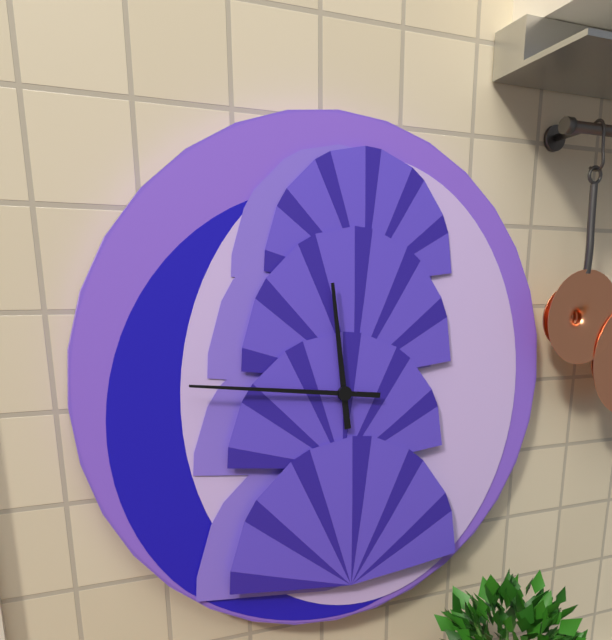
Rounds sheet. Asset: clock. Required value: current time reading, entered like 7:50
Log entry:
11:46
